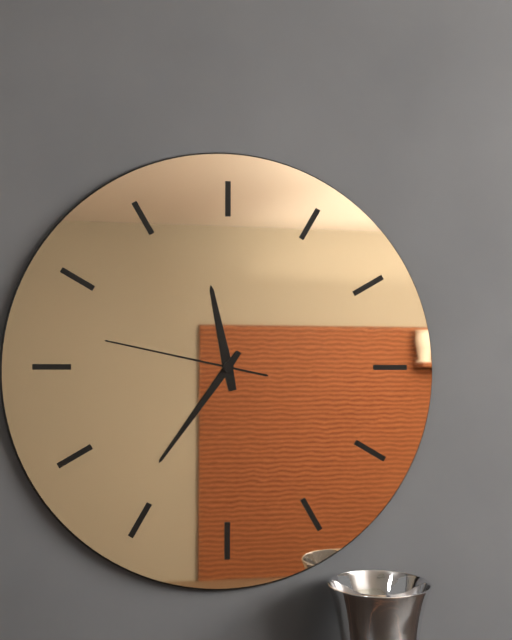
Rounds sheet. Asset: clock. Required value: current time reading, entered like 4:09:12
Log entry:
11:36:47
